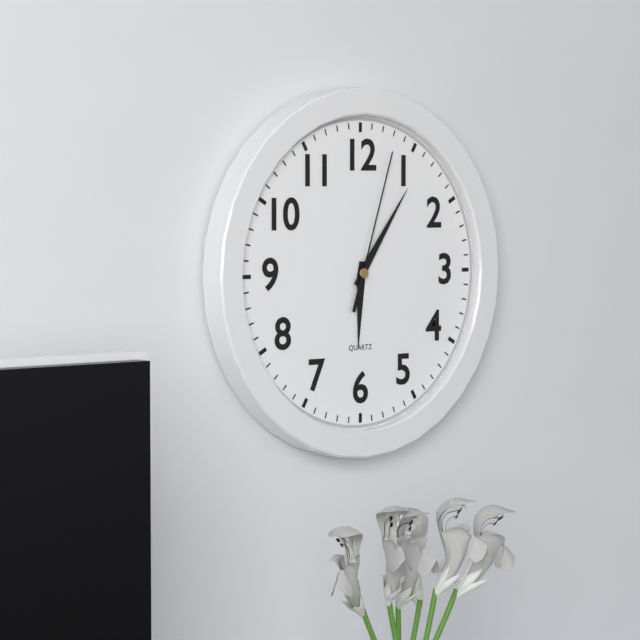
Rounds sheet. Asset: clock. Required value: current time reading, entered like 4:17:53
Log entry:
6:06:03
